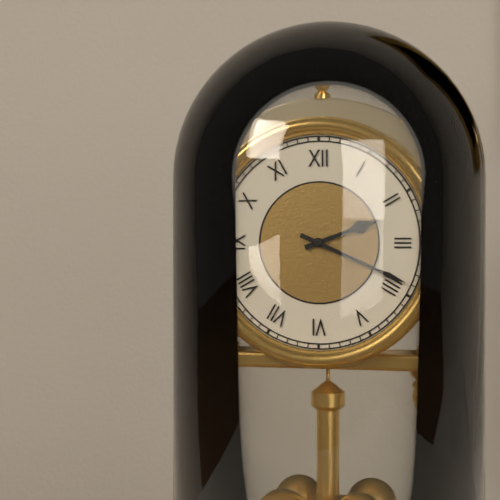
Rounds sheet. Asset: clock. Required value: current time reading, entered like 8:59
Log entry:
2:19
